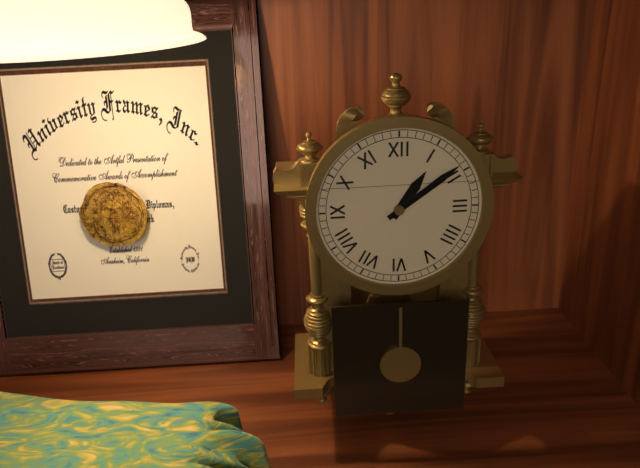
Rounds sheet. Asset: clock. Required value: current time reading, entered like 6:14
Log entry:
1:09
